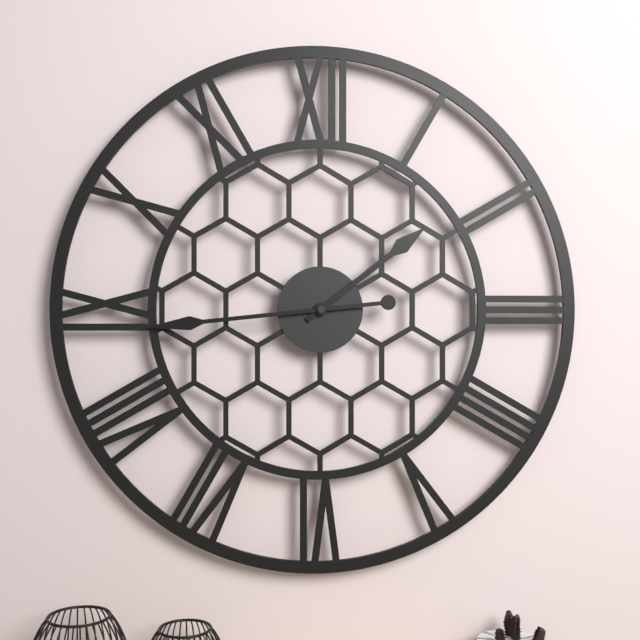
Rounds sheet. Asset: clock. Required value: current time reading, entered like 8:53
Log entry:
1:44
